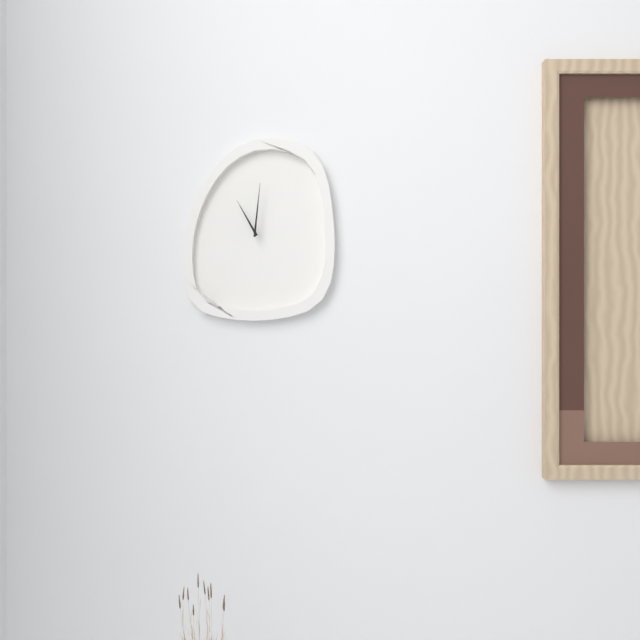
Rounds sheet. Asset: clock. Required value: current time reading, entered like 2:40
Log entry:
11:01
